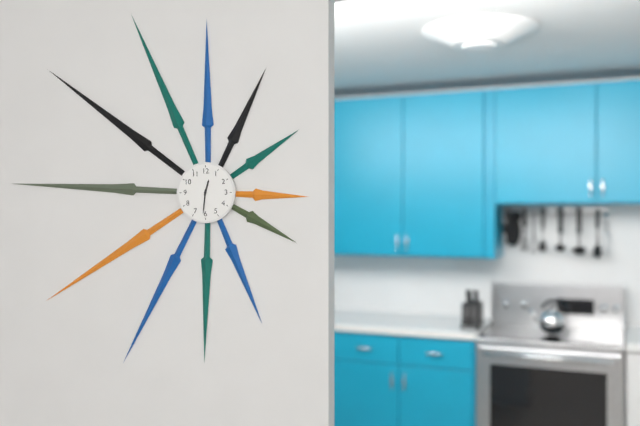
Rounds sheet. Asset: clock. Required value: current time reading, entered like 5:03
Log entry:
12:31
